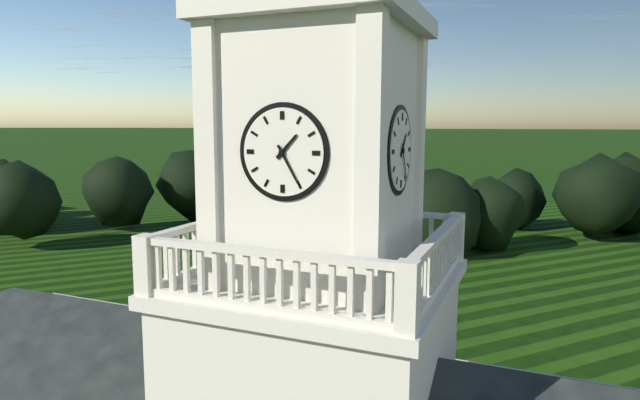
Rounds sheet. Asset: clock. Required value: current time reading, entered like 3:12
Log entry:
1:25
